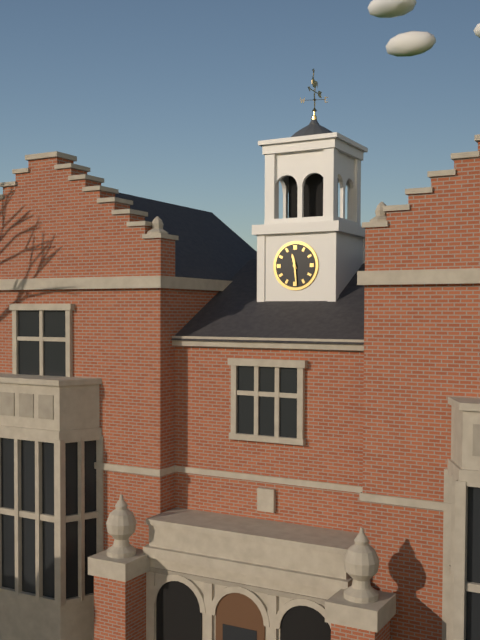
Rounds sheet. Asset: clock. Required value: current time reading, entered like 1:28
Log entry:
11:29
